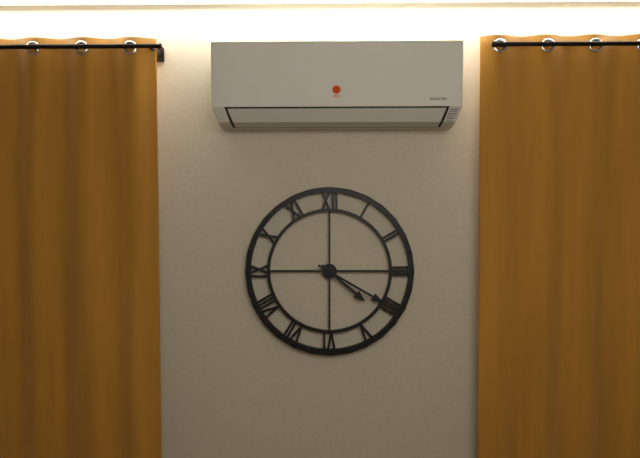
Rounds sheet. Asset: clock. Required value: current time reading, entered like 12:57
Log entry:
4:20
